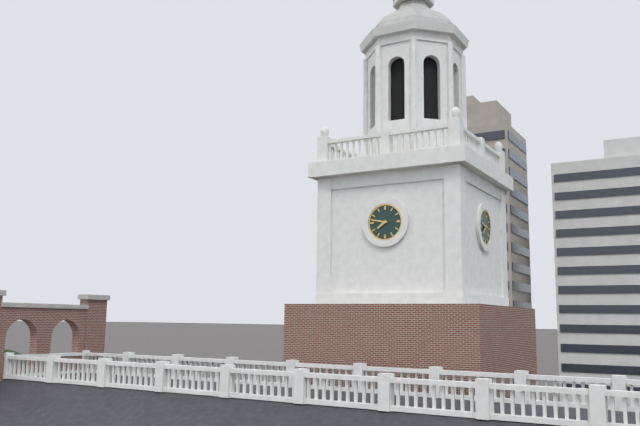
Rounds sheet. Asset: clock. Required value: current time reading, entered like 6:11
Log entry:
7:47
